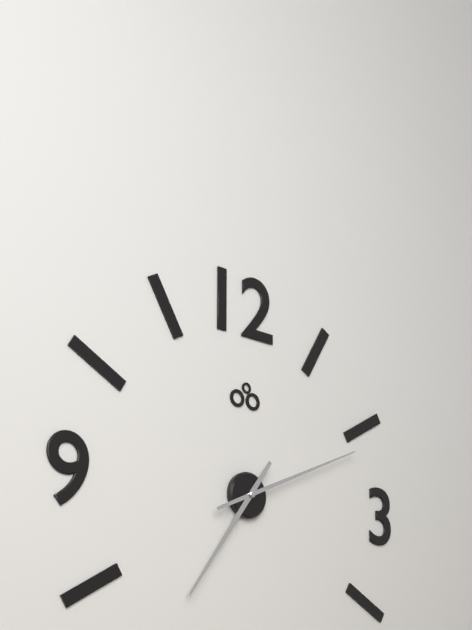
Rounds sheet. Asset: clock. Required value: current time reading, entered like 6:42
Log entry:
7:11
